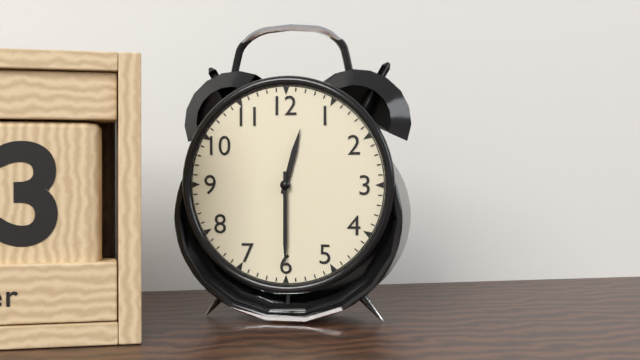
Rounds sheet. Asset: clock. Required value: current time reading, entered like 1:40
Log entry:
12:30
